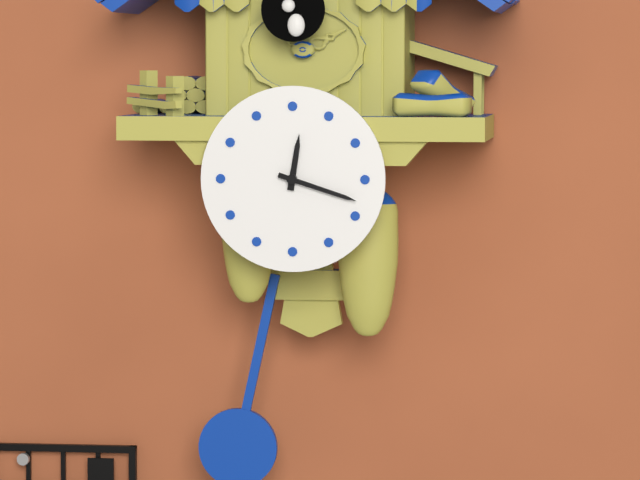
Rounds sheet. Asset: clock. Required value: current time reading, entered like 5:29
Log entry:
12:18
